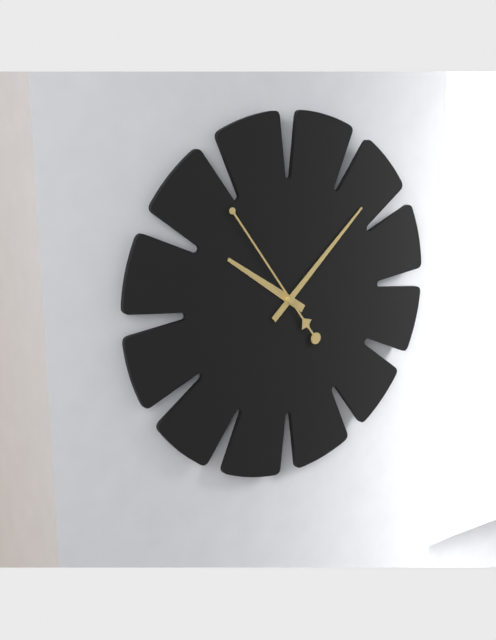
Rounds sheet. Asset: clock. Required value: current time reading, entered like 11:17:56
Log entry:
10:08:54
